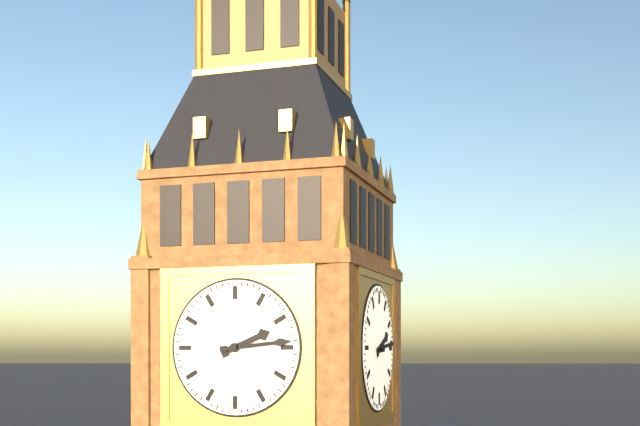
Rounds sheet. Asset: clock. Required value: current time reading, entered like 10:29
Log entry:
2:14
